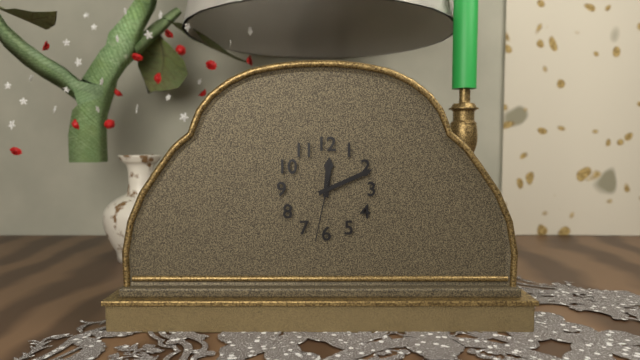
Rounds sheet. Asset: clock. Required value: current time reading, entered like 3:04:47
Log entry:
12:11:32
